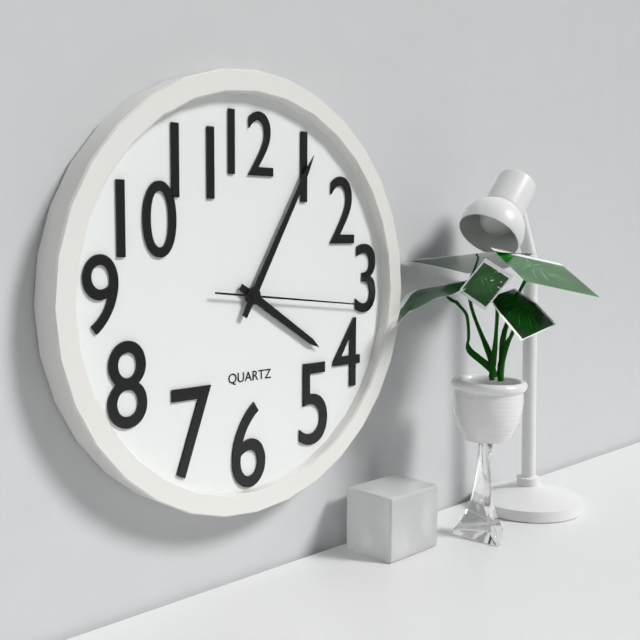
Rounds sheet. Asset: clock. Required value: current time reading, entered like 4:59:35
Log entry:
4:05:16
